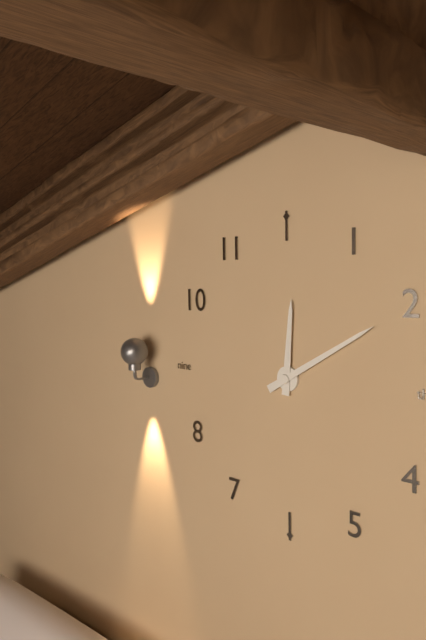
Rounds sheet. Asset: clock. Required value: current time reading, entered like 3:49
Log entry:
12:10
